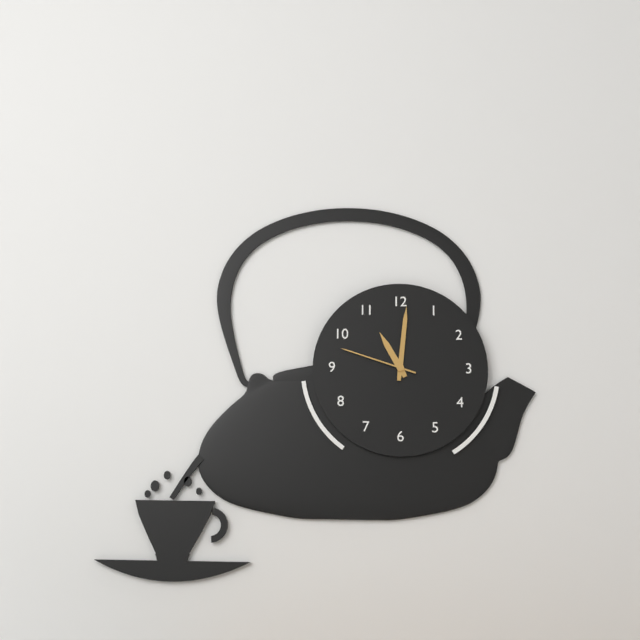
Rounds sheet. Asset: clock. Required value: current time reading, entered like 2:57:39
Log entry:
11:01:48
